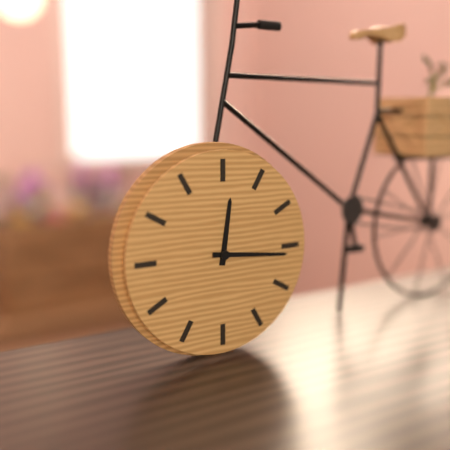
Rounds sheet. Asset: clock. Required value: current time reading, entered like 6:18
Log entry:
12:16
